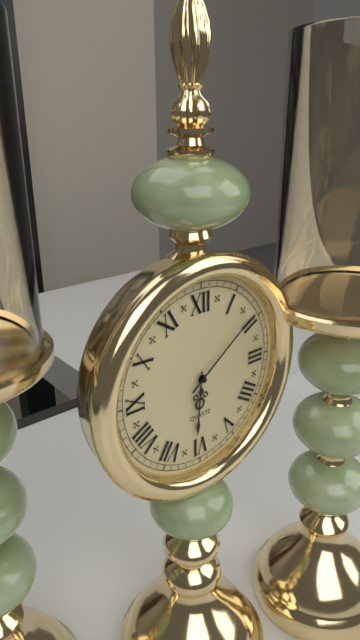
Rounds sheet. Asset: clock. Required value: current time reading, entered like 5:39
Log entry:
6:09
